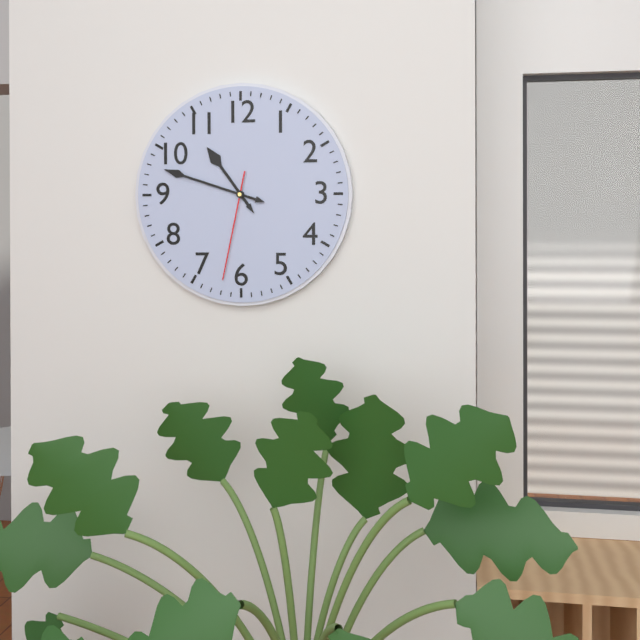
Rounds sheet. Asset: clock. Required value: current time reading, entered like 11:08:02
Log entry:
10:48:32
